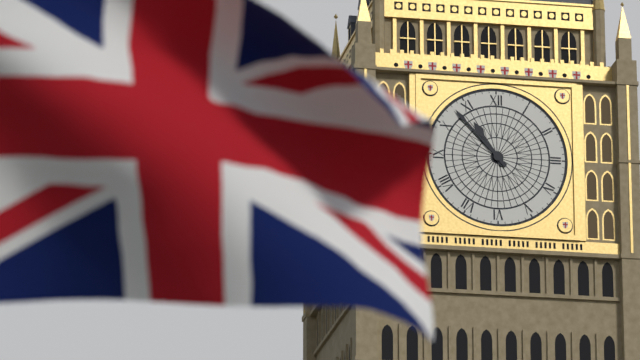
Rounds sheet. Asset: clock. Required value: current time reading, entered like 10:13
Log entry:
10:53
